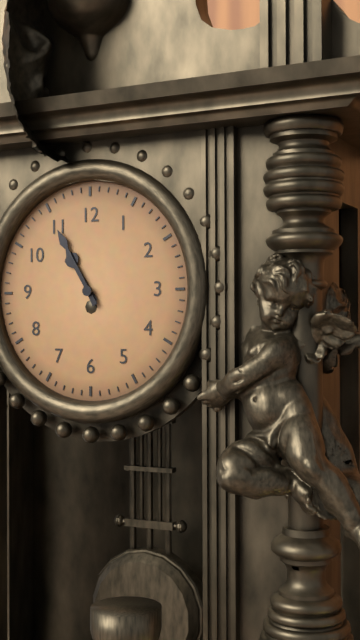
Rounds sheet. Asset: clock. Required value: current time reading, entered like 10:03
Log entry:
10:55
